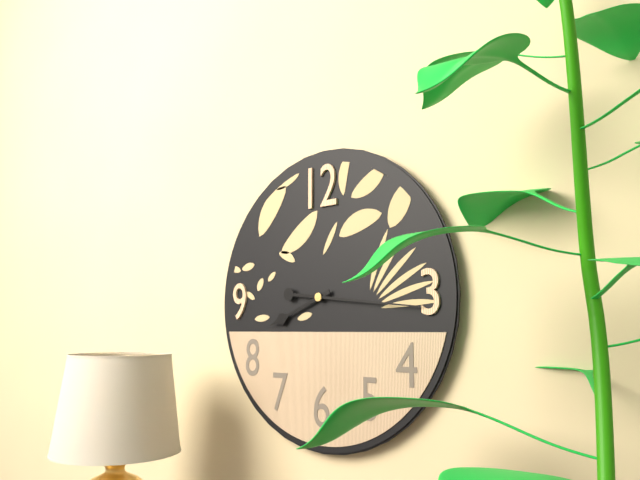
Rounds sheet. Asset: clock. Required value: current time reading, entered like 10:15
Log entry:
8:16
